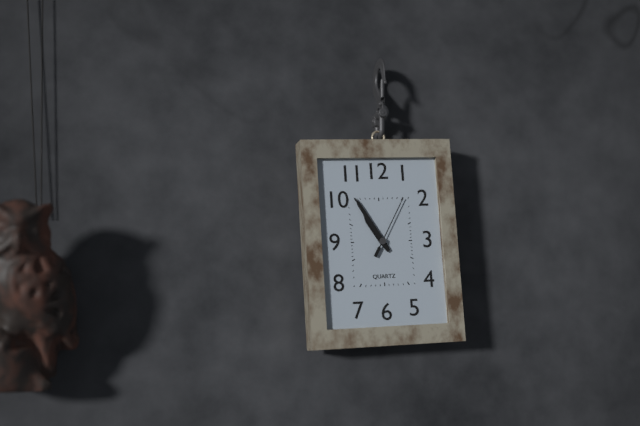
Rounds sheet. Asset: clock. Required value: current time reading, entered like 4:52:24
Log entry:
10:55:05
